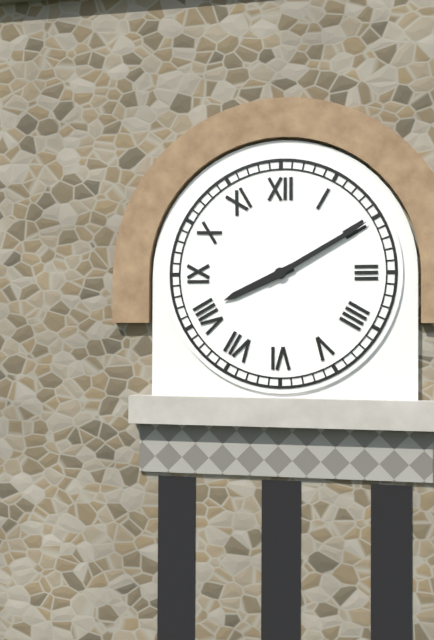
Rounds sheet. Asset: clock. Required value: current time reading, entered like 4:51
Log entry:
8:10
